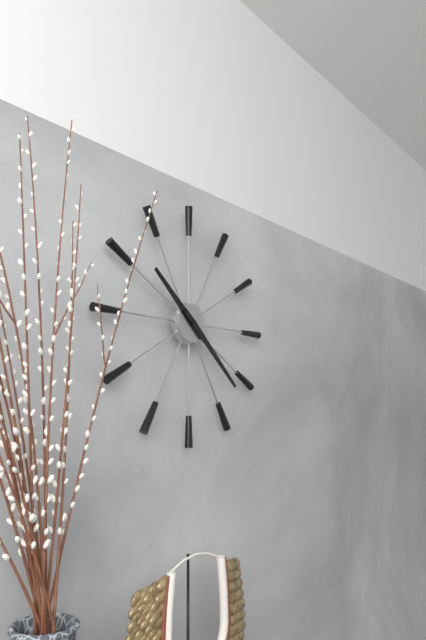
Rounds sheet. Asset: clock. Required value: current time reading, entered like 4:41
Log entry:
10:22
